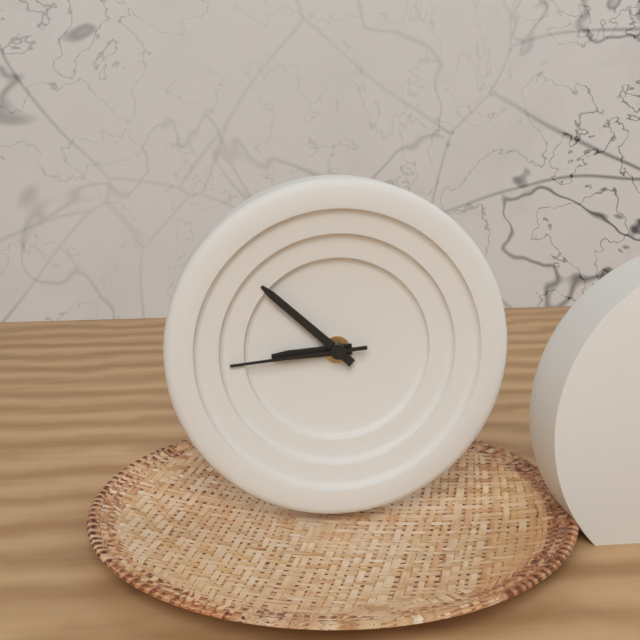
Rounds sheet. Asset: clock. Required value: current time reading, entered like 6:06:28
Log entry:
8:52:44
